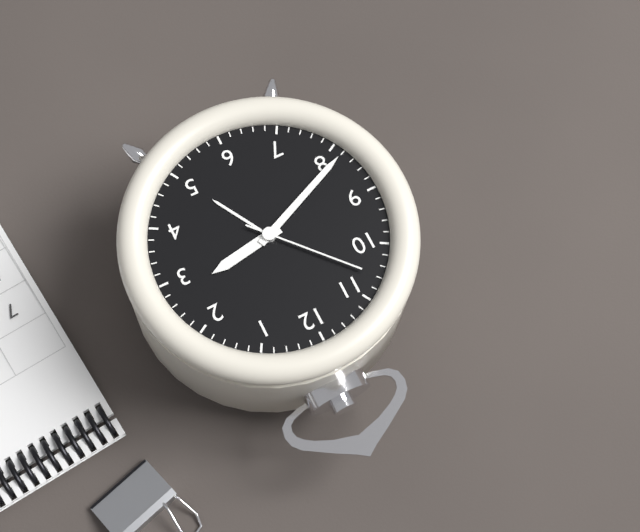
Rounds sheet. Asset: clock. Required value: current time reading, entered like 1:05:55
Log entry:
2:41:53
